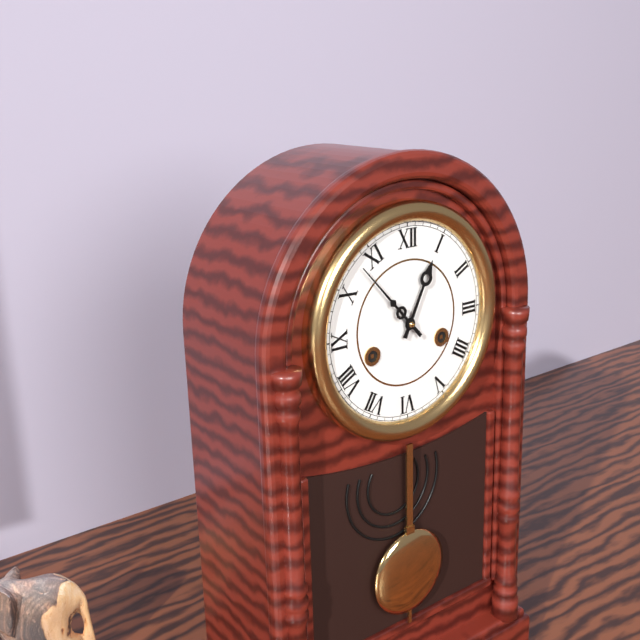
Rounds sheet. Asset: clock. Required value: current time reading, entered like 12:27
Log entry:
12:53
